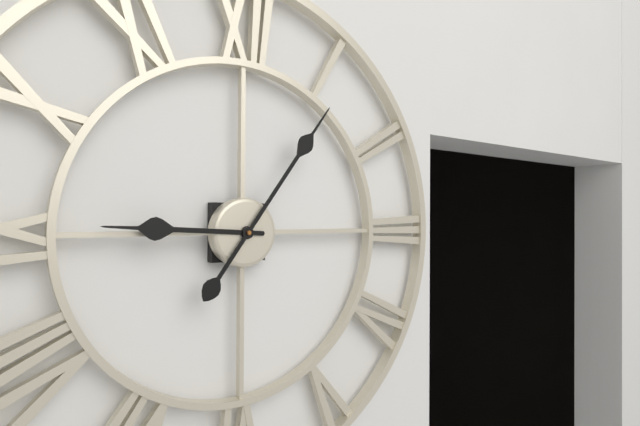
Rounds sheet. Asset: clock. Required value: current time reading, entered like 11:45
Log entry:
9:06
